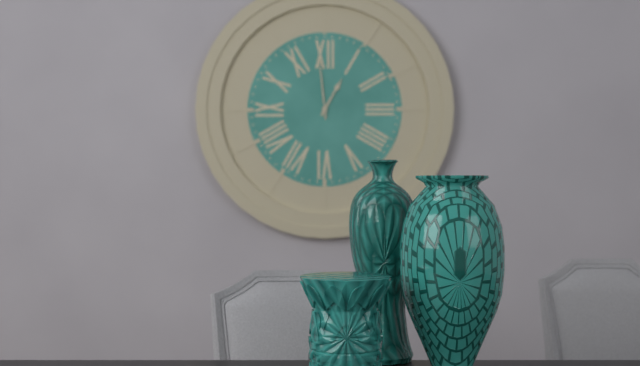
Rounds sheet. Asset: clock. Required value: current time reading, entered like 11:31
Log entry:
12:59
